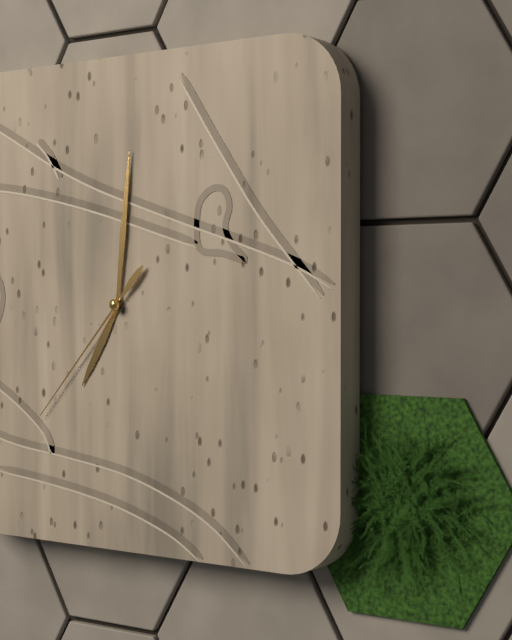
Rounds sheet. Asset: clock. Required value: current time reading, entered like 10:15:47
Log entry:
7:01:37
